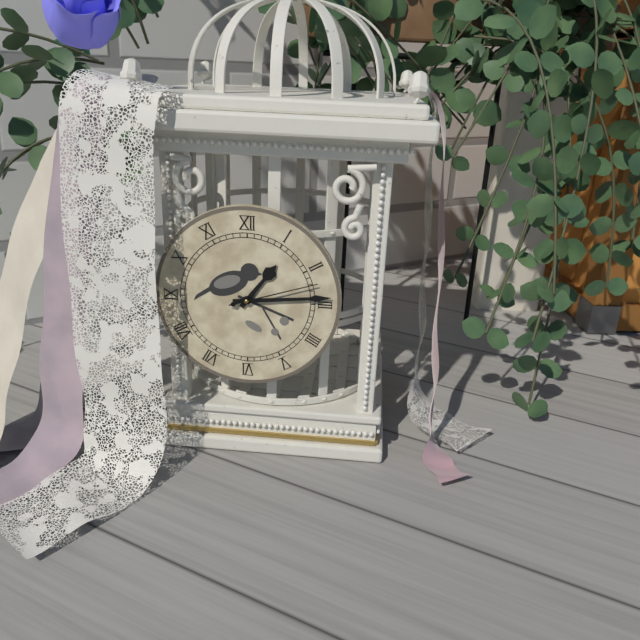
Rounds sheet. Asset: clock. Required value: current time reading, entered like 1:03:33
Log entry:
1:14:12
